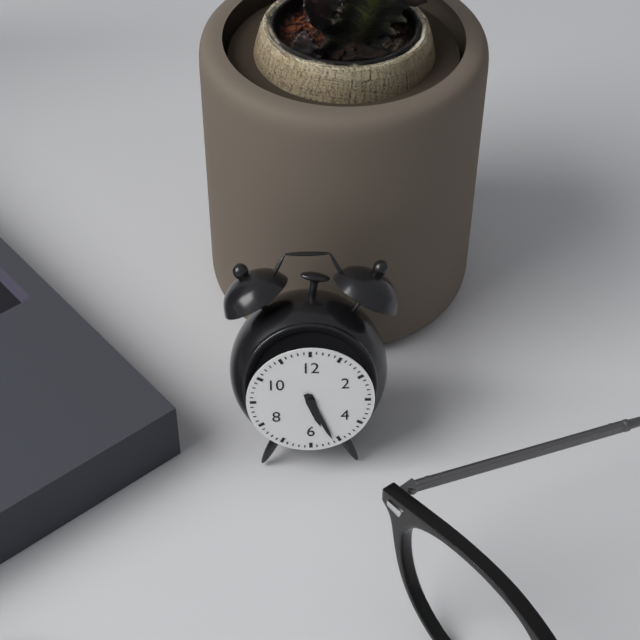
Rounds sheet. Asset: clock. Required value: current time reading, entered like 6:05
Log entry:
5:26
